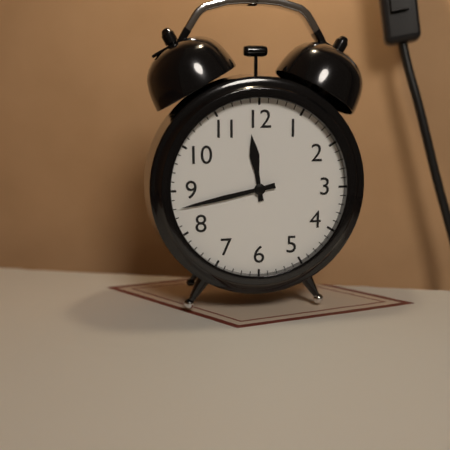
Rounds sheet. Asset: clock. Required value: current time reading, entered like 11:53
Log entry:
11:43
